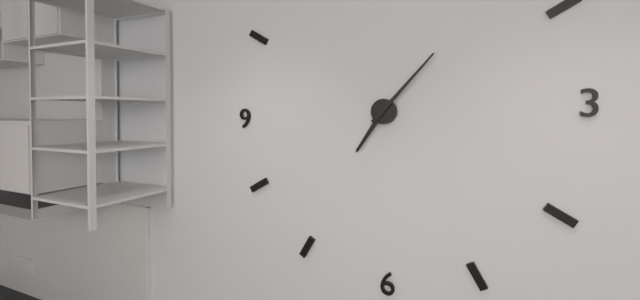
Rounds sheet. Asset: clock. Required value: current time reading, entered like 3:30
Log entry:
7:07
